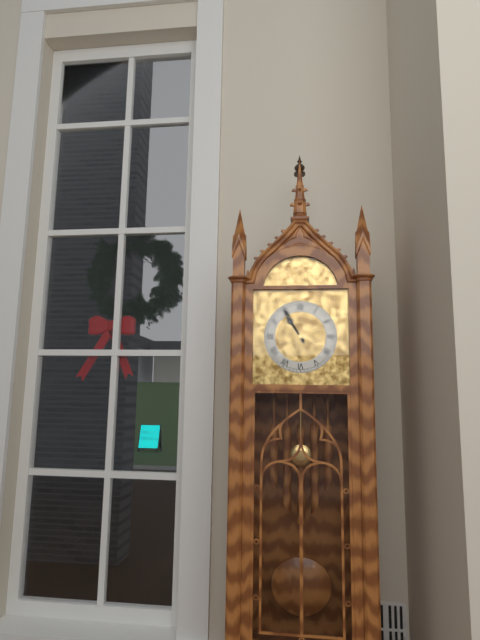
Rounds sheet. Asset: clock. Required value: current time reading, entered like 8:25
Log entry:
10:55
